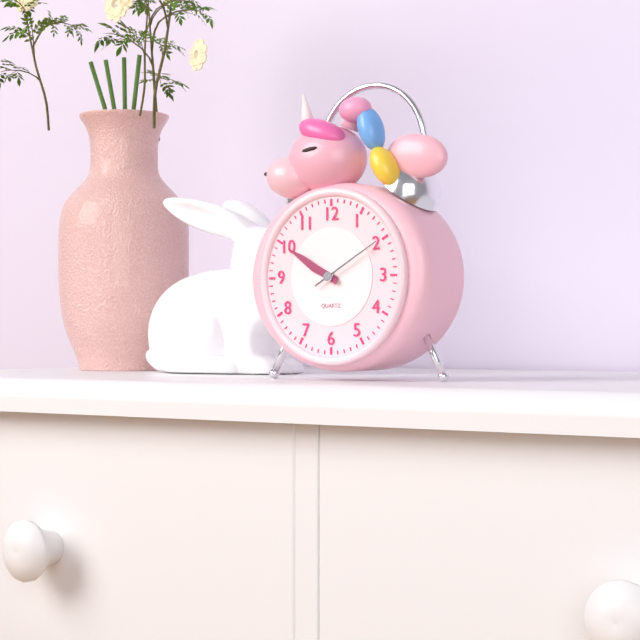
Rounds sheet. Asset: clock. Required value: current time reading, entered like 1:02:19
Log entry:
9:50:10
